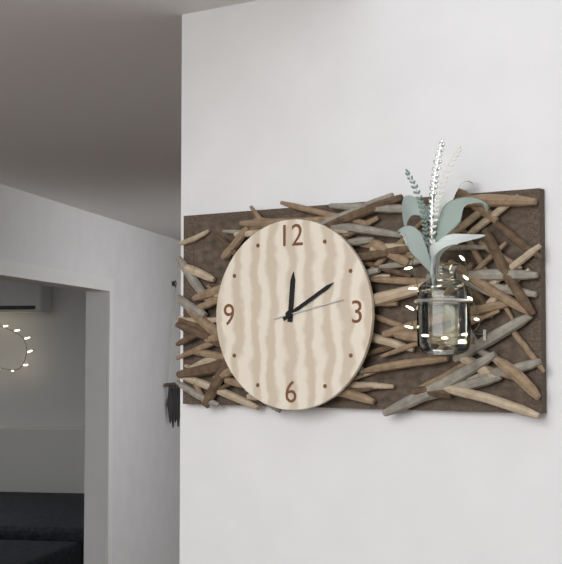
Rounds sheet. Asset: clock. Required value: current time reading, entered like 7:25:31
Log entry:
12:10:13
